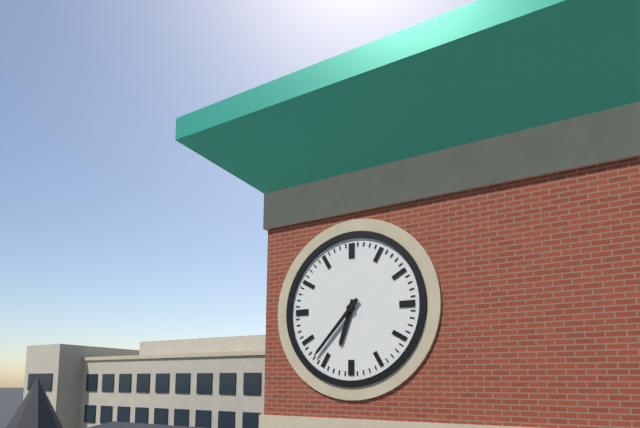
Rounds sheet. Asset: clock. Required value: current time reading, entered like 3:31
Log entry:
6:37
